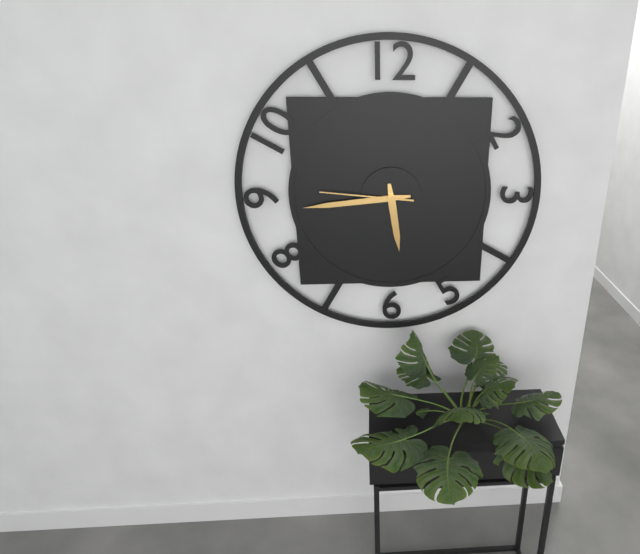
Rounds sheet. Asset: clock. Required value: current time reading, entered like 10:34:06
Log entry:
5:44:46
